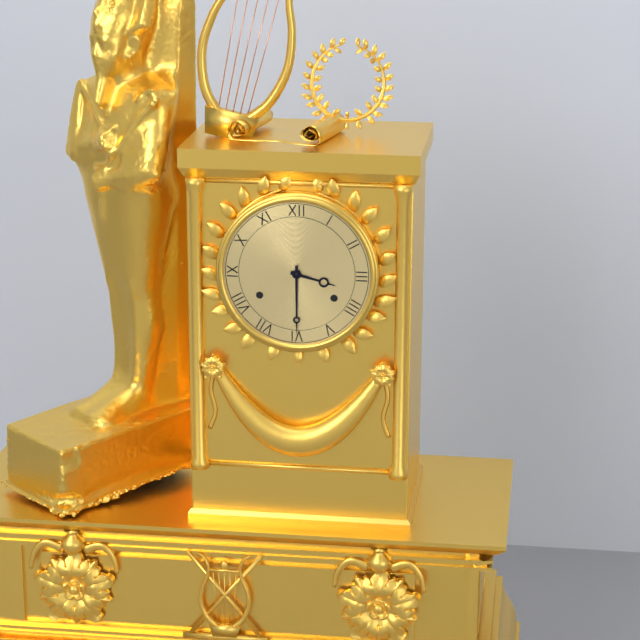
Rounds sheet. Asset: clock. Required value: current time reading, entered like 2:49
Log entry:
3:30
